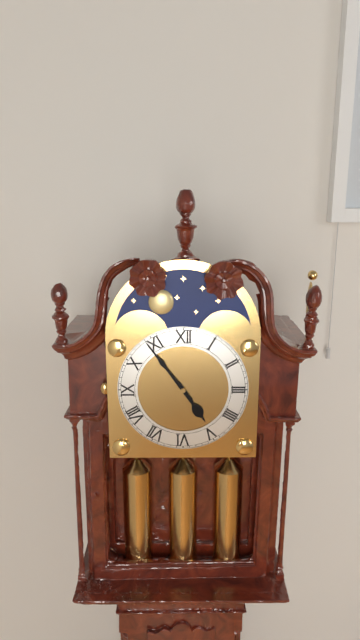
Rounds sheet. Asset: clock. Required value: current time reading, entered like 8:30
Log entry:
4:54
